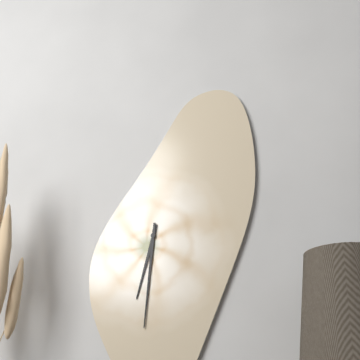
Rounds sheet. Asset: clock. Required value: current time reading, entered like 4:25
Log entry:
6:31
